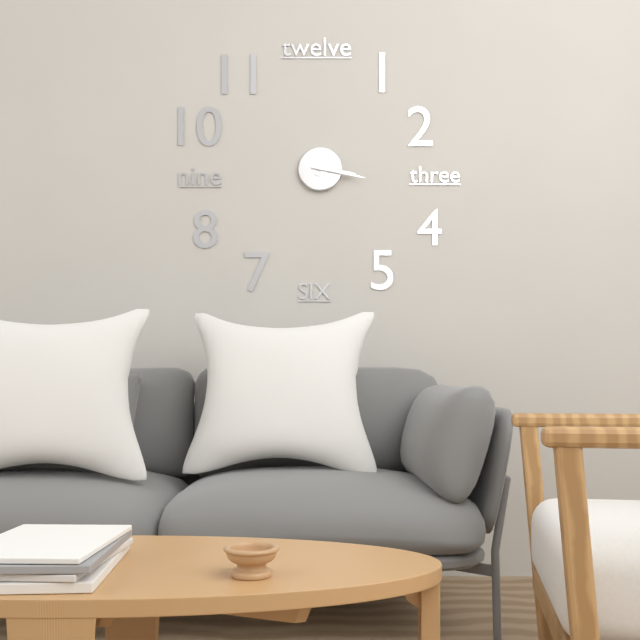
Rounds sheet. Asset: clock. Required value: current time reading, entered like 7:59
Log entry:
3:17
